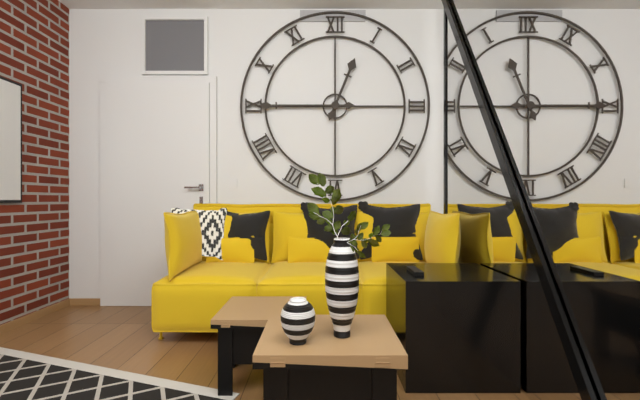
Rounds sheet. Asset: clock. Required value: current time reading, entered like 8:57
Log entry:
12:45
